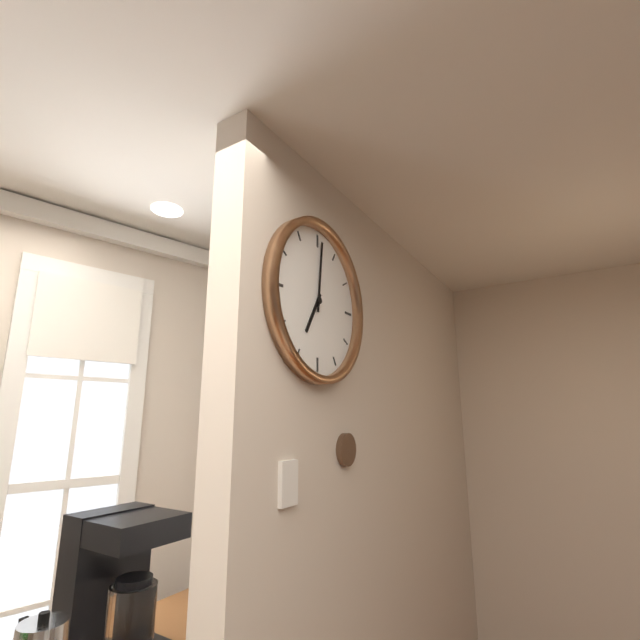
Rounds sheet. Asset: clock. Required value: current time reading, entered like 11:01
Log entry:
7:01
